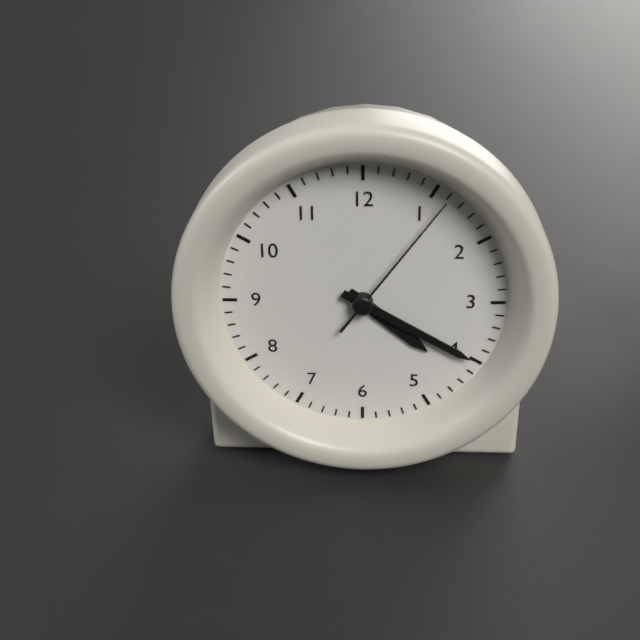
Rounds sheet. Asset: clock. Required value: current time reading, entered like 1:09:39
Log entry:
4:20:06
